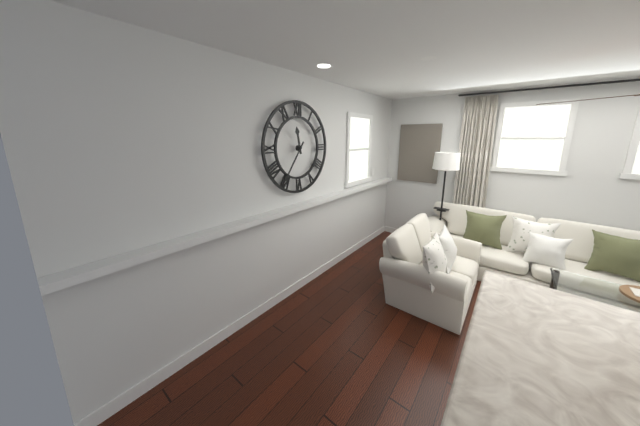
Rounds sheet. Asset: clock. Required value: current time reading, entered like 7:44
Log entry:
11:36
